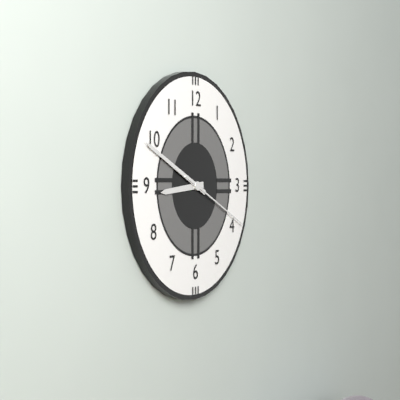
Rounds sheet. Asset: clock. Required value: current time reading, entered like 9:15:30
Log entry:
8:49:19
